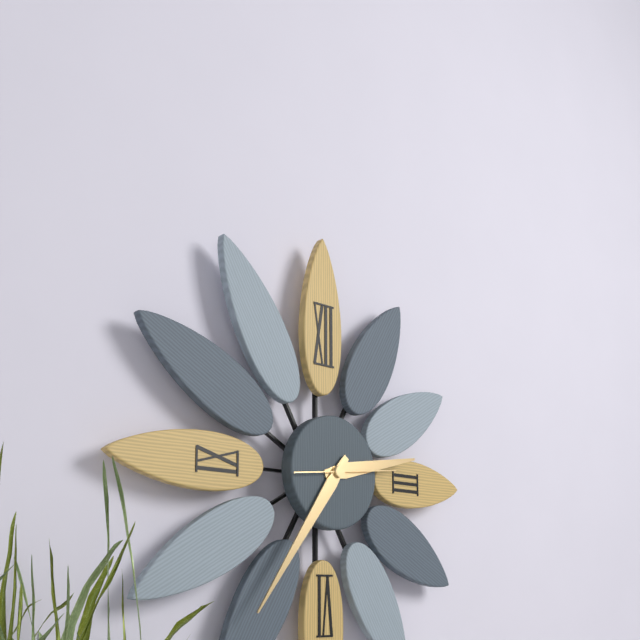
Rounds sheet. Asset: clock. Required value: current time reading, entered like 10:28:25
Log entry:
2:36:14
